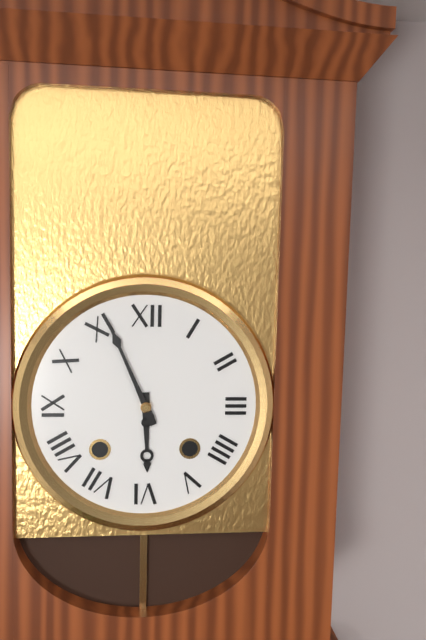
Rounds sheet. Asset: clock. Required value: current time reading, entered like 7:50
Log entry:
5:56
